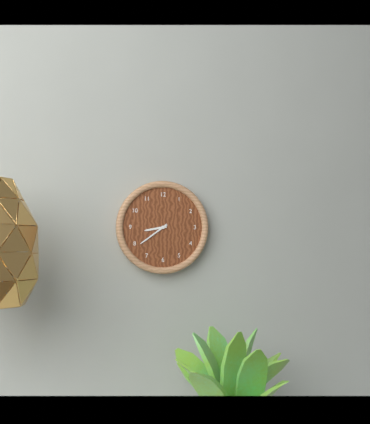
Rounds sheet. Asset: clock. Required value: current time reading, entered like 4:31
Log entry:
8:39
